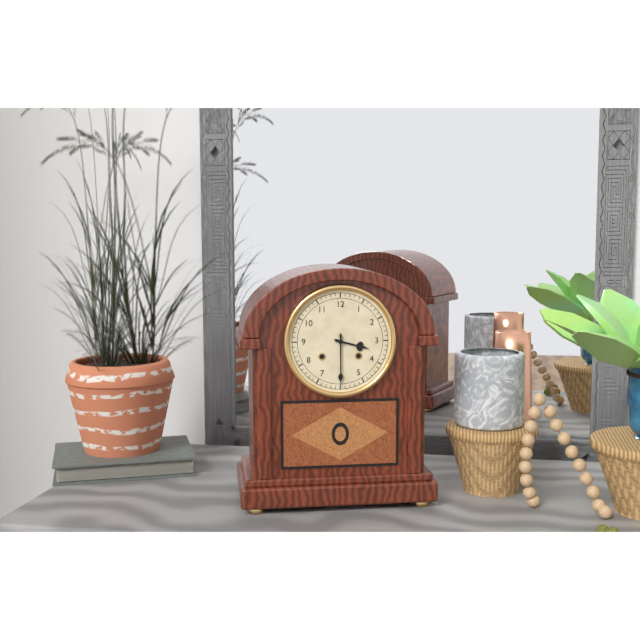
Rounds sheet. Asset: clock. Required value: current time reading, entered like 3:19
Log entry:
3:30
